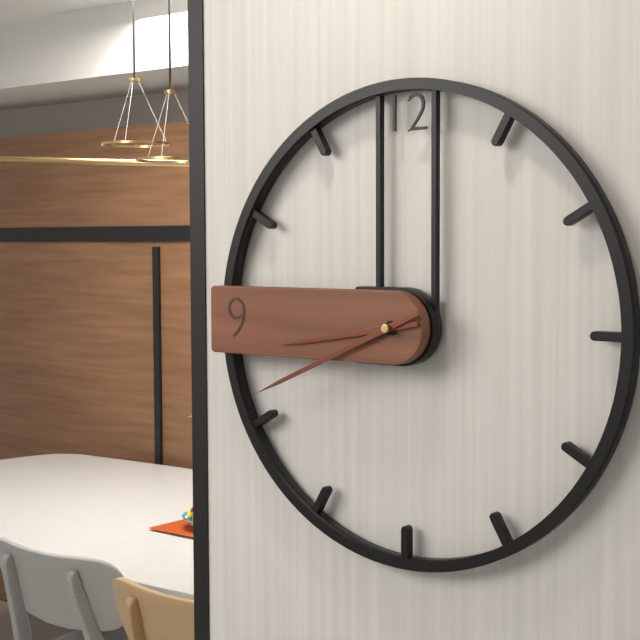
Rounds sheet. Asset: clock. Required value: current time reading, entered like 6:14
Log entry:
8:41
